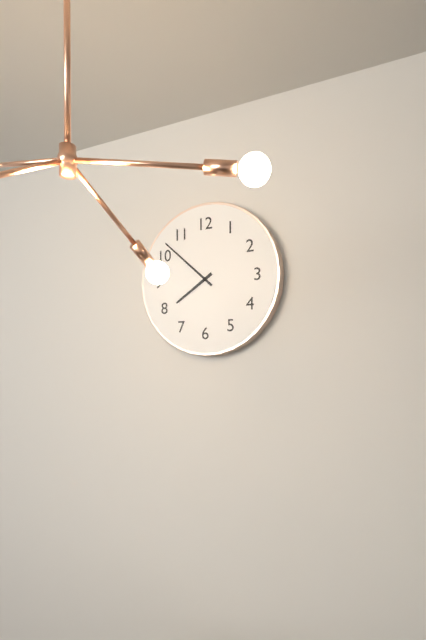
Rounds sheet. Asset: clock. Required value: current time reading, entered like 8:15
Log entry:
7:52
